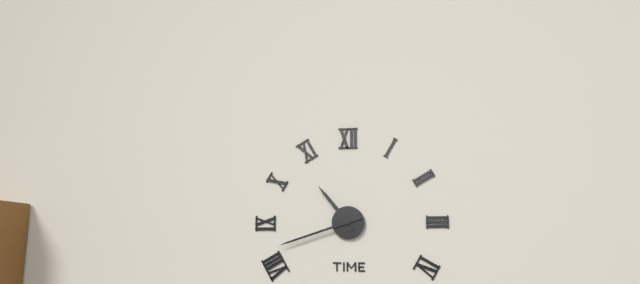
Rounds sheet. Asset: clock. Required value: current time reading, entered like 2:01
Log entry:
10:42
